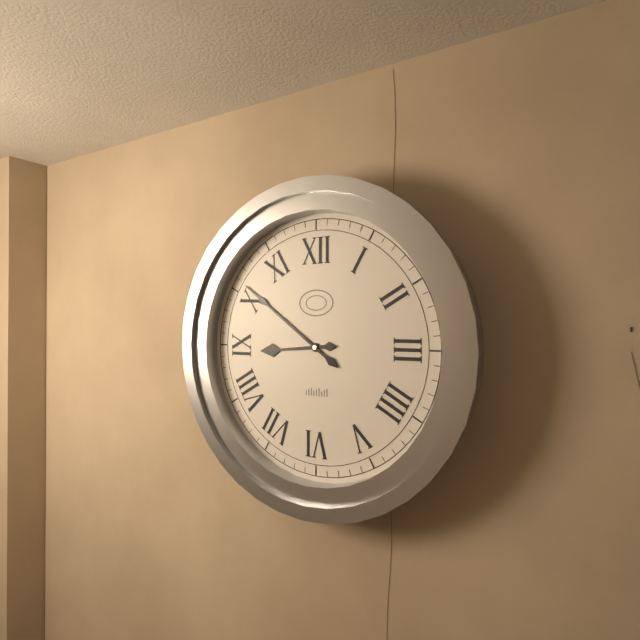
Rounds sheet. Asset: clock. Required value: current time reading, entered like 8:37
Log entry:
8:51
